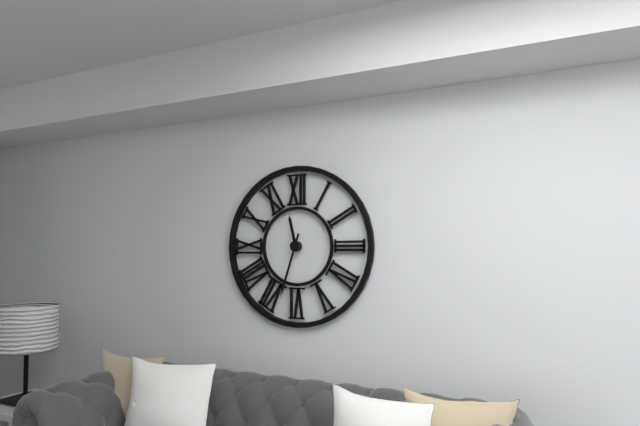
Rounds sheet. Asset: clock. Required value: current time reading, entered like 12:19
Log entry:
11:33
